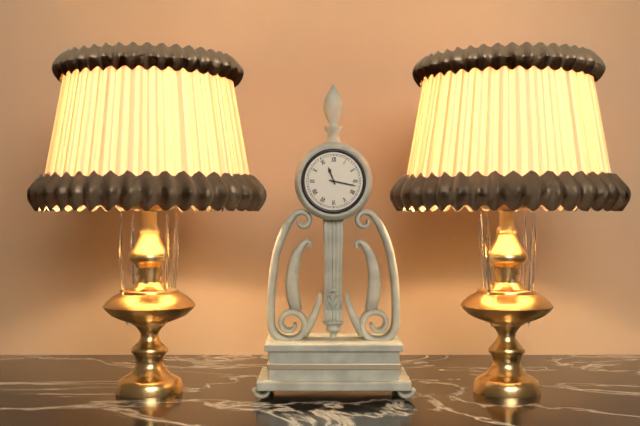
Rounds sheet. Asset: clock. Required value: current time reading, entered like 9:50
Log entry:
11:17
